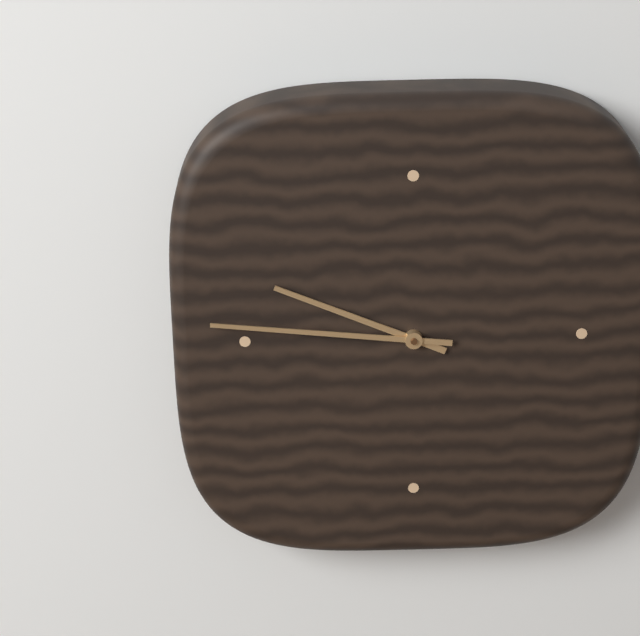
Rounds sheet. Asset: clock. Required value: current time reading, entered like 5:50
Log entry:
9:46
